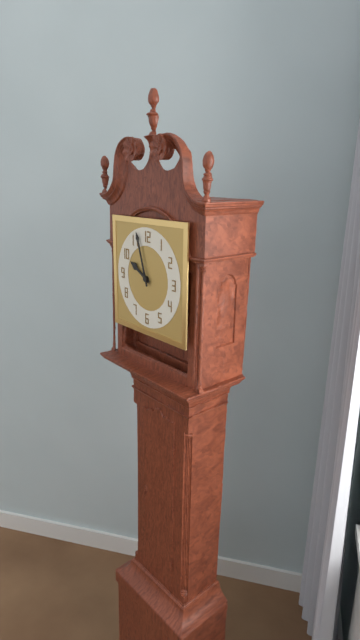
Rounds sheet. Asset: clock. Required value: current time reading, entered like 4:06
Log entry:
9:57
